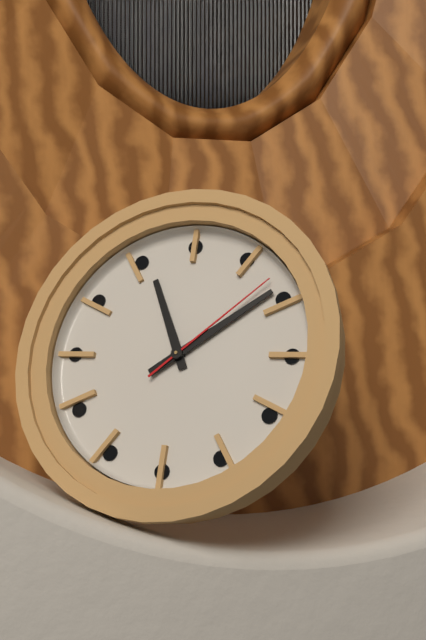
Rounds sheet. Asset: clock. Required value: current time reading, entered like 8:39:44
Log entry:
11:09:08
